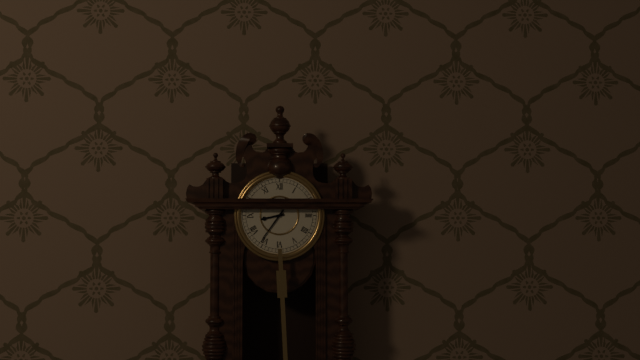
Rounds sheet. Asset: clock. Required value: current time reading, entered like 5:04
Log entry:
8:36
